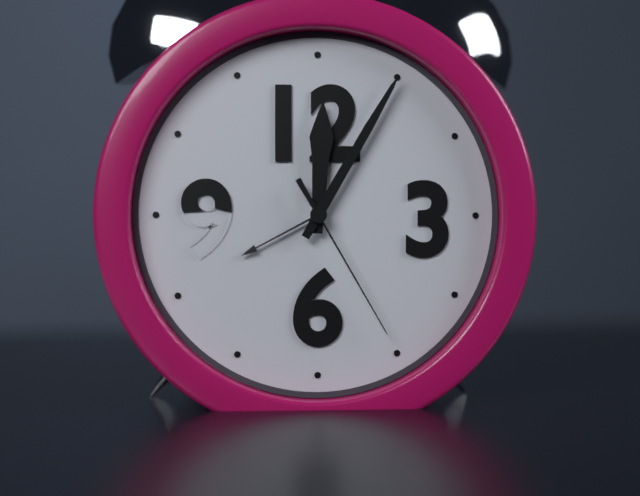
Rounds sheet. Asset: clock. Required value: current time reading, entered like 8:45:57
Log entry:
12:05:25
